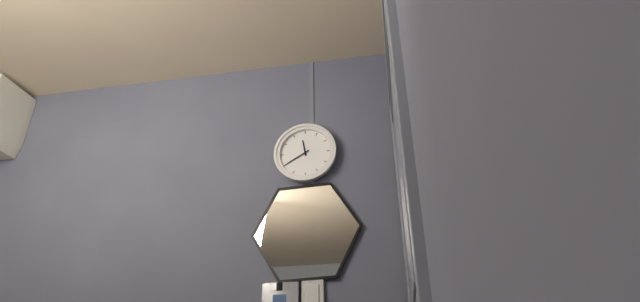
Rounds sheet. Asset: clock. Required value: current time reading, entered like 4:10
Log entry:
11:40
